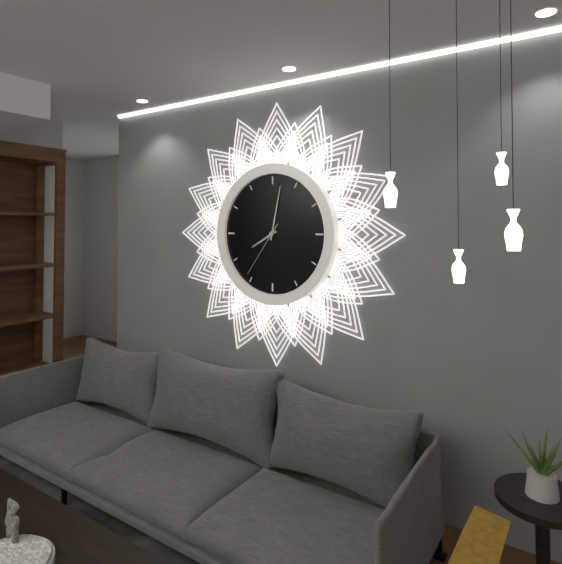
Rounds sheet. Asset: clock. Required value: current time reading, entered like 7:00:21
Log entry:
8:02:36
